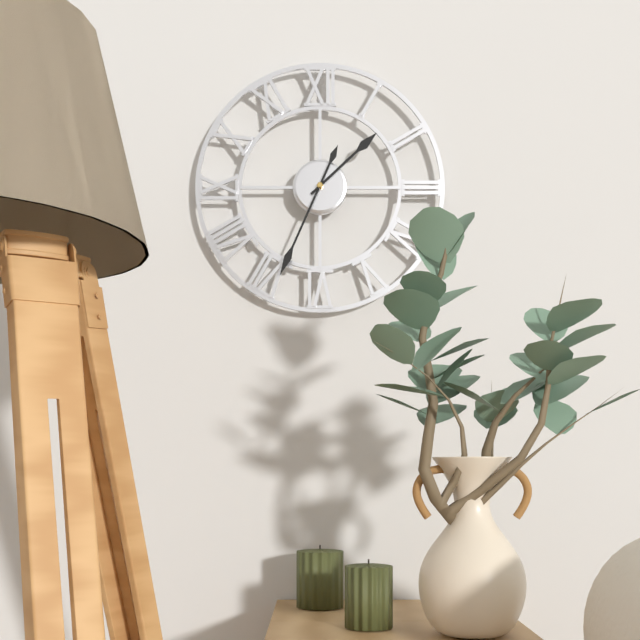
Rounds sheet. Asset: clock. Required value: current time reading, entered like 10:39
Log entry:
1:34
